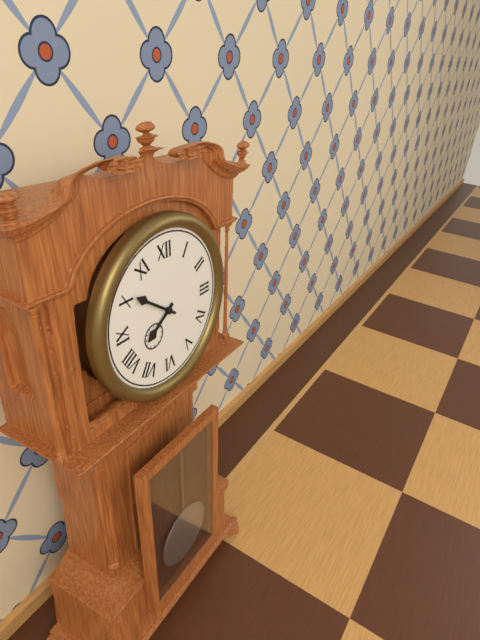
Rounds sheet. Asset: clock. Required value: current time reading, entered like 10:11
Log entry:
7:51
